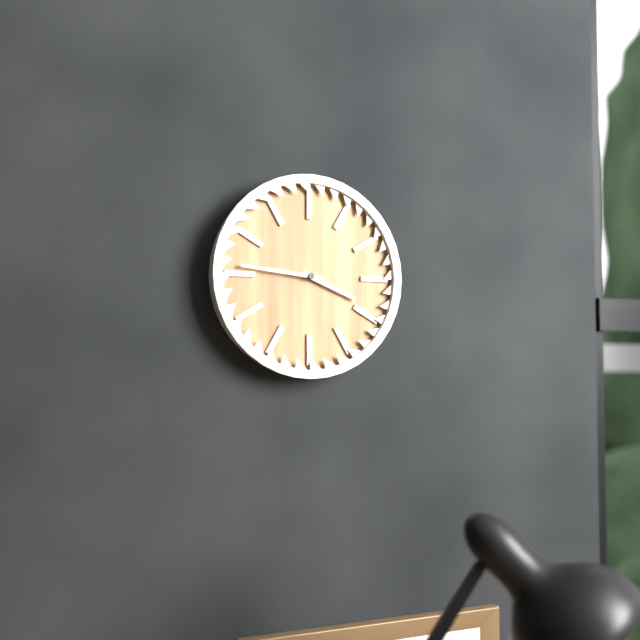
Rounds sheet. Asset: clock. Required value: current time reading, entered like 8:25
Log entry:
3:46
